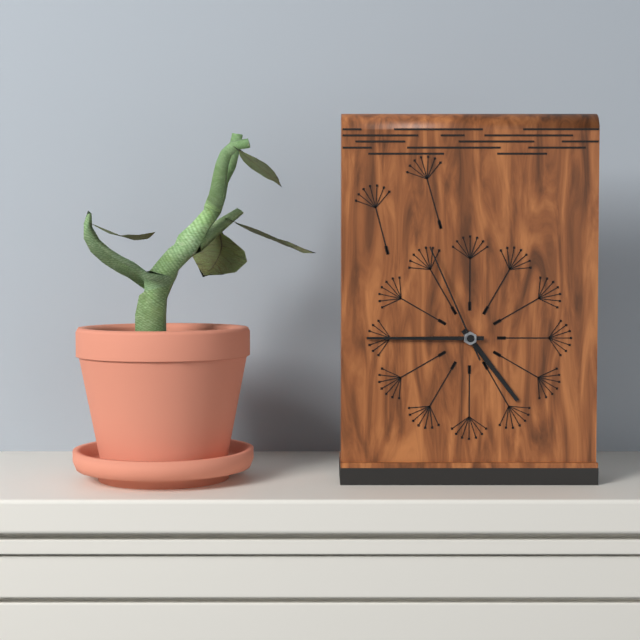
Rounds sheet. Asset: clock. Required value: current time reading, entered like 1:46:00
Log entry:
4:45:56
